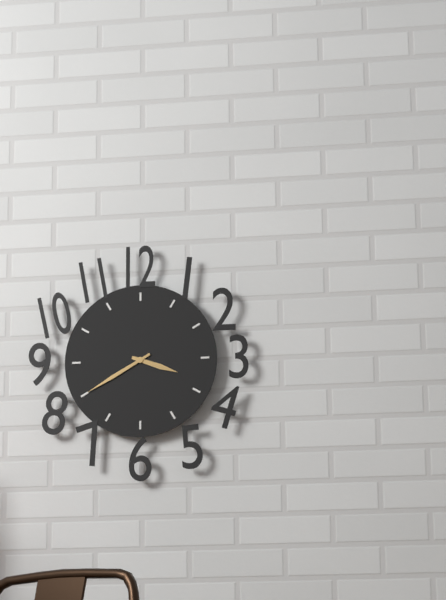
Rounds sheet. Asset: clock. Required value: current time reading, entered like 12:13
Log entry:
3:40
